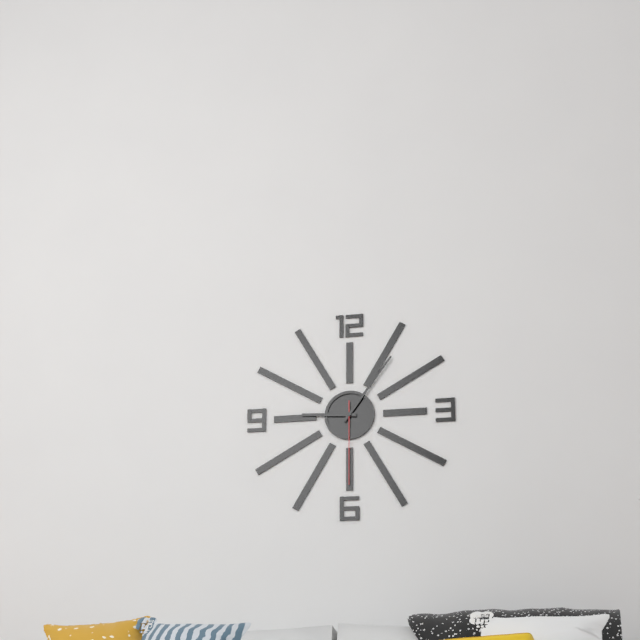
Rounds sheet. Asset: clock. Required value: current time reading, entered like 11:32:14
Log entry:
9:06:30
